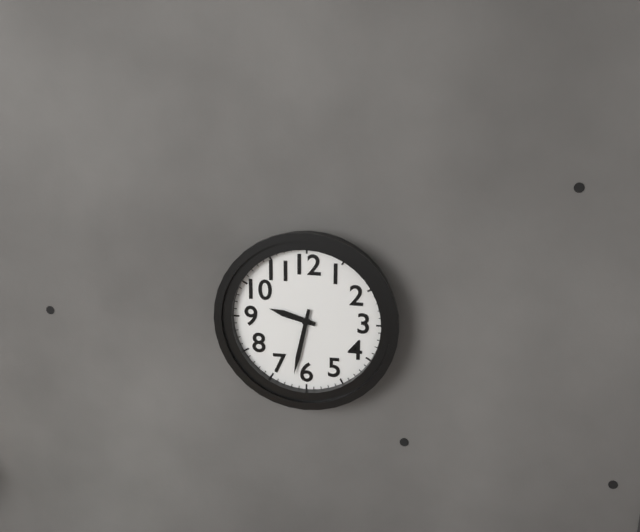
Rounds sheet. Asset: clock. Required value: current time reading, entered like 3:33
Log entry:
9:32
